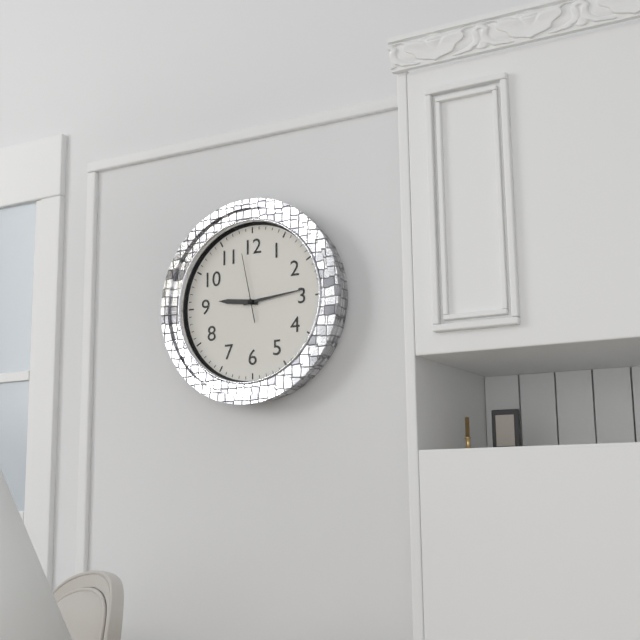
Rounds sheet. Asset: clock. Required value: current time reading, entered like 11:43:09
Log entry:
9:14:58
